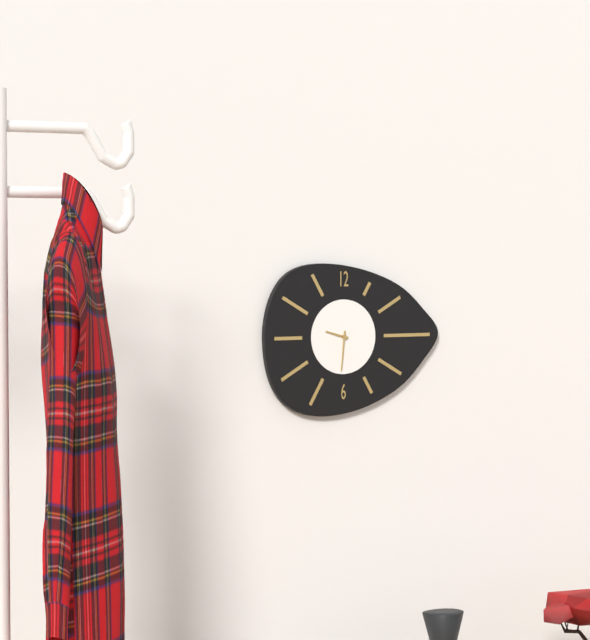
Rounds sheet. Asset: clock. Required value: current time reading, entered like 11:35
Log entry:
9:31
